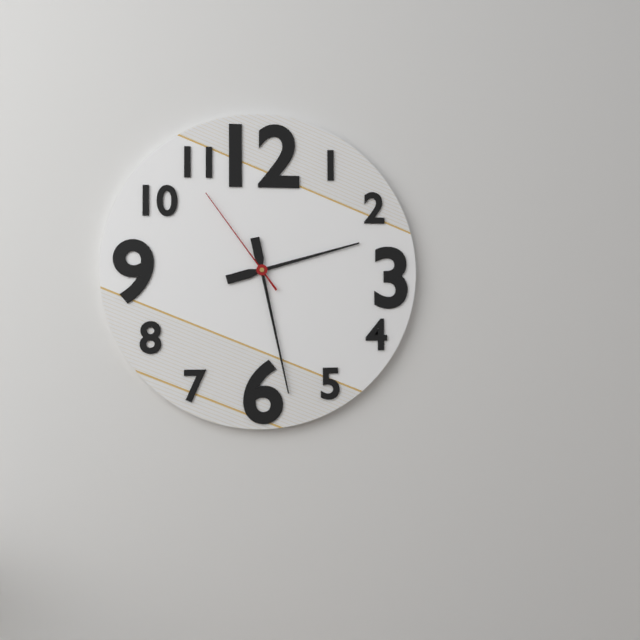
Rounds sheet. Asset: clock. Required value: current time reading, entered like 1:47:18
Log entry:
2:28:54
